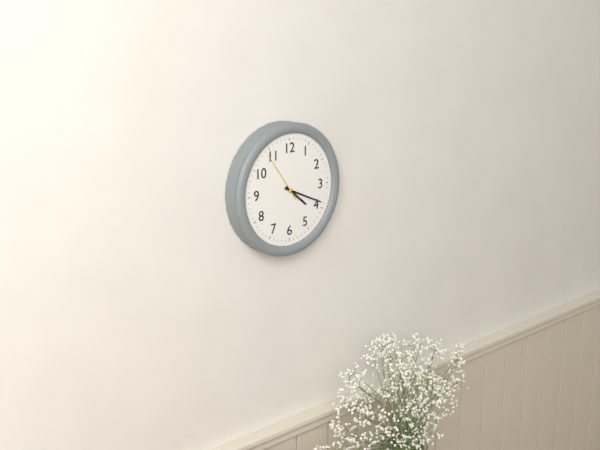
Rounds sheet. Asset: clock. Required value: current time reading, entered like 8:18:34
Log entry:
4:19:54
